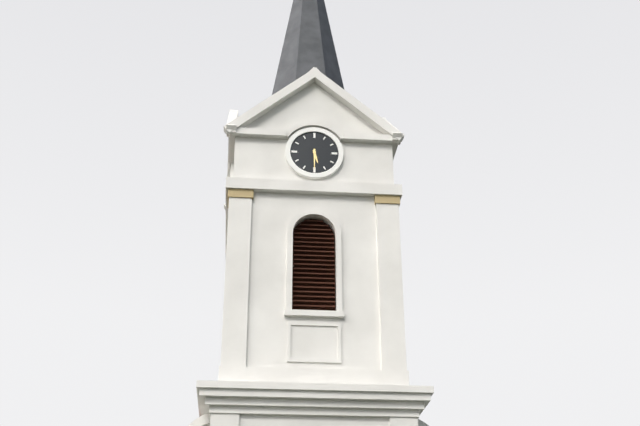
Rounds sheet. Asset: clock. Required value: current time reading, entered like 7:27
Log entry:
5:30
